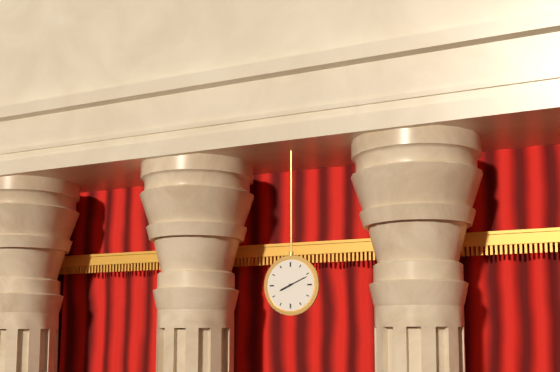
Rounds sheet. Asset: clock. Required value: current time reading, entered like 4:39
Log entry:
8:11
